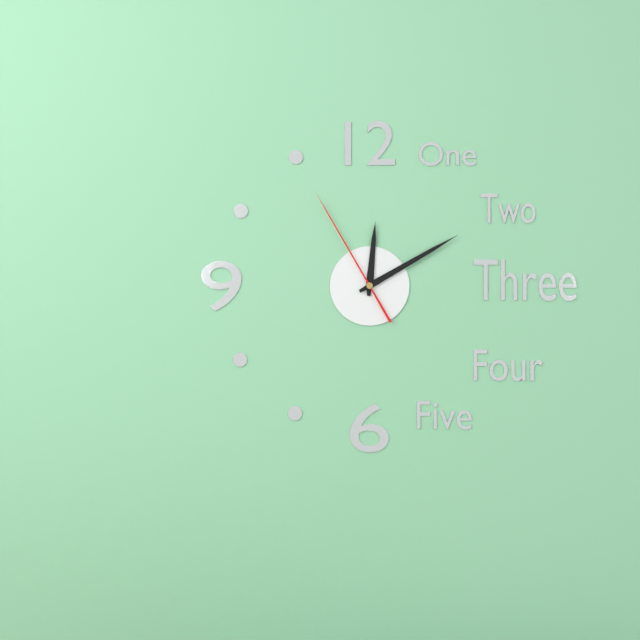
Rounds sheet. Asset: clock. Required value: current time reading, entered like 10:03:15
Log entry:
12:10:55
